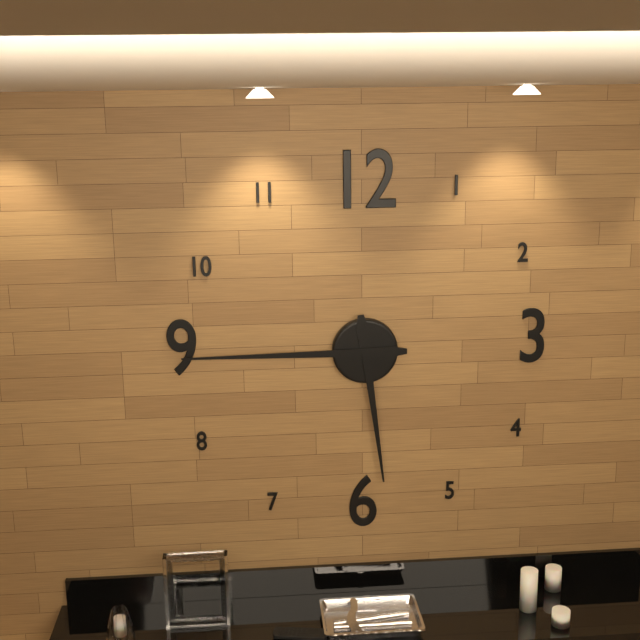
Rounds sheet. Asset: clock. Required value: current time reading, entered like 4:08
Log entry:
5:45
